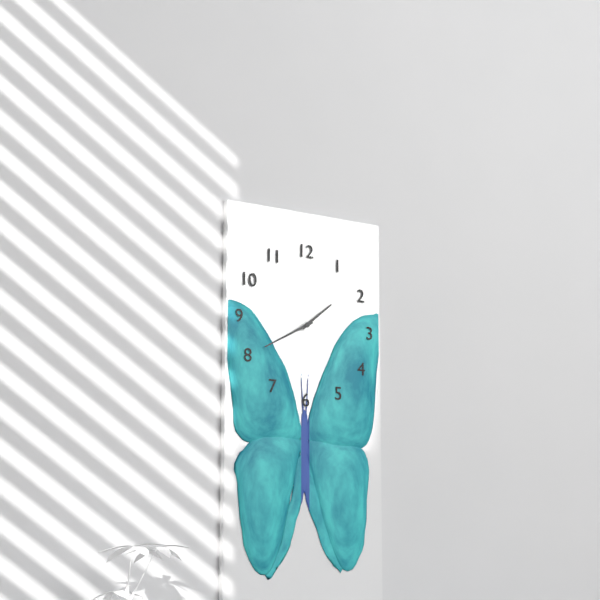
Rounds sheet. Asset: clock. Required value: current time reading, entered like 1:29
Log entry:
1:40
